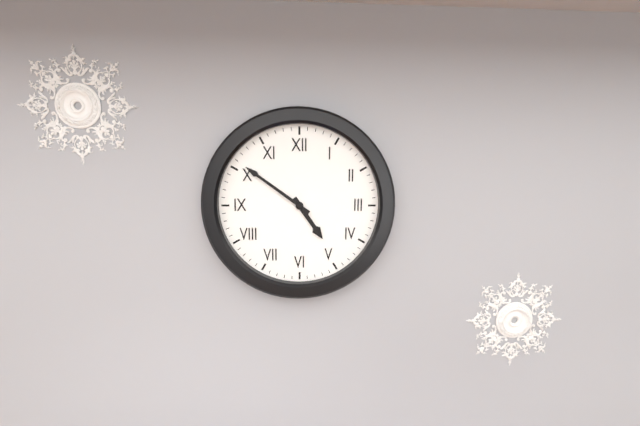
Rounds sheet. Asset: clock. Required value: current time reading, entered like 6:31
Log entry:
4:51
